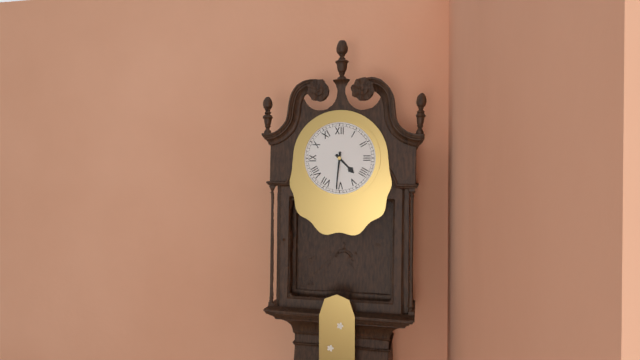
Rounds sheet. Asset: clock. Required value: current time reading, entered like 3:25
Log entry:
4:31
